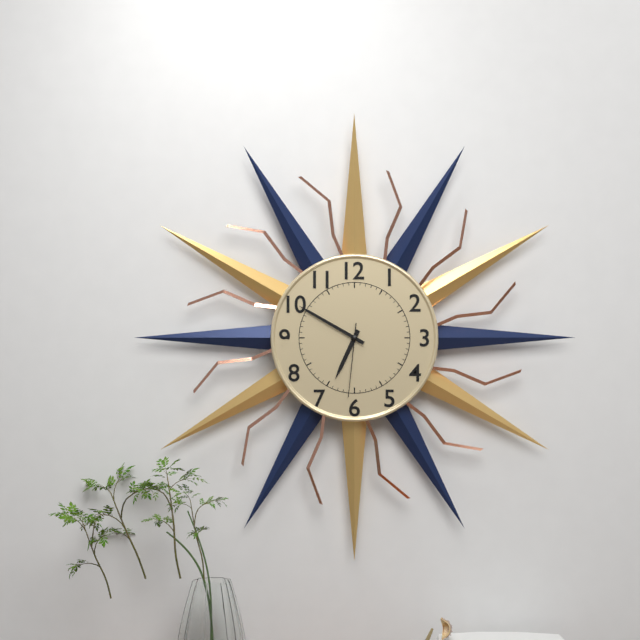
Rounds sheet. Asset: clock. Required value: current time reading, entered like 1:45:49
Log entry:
6:50:31
